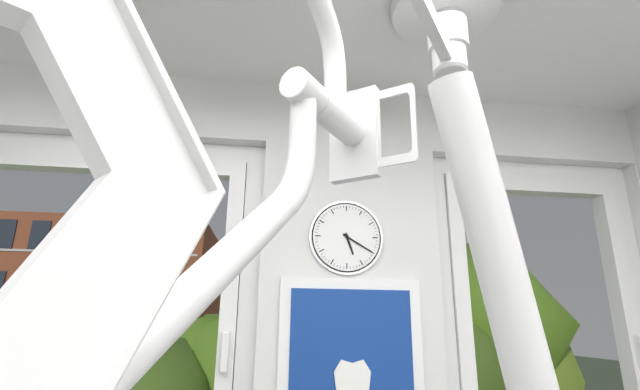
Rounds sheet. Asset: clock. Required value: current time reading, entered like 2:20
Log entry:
5:20
